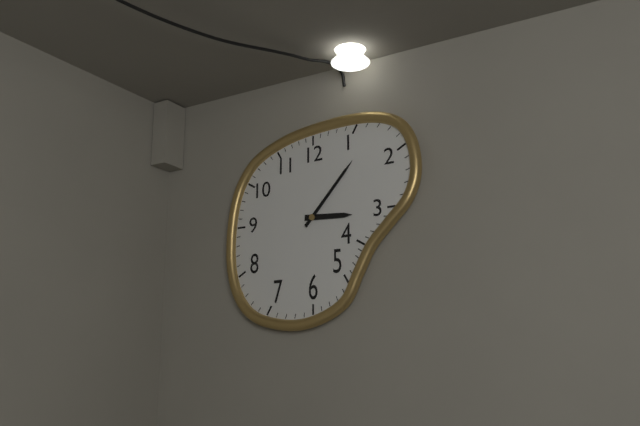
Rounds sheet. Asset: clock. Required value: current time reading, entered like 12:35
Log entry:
3:07
